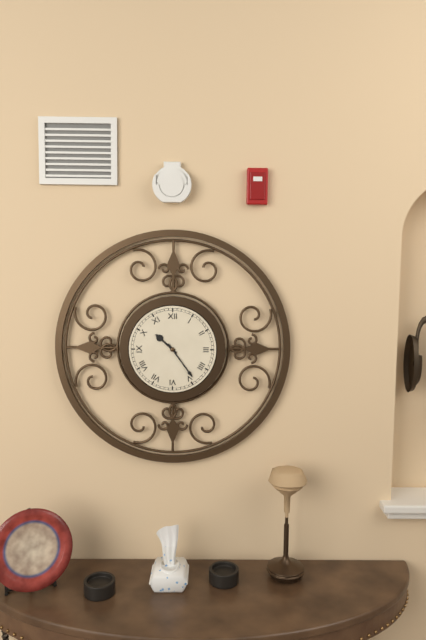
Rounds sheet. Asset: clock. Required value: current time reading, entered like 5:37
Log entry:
10:24
